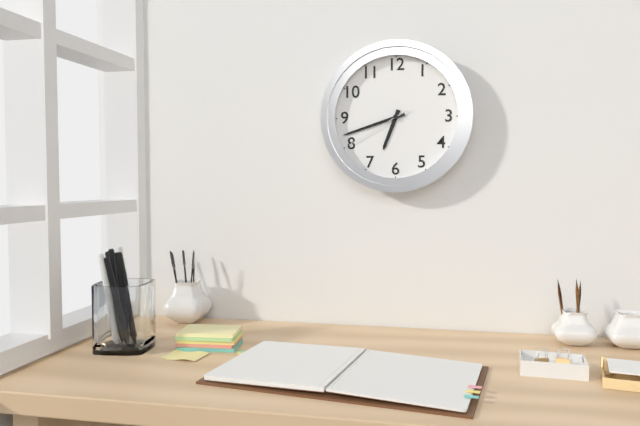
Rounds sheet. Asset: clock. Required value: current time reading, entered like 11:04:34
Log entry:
6:42:40
